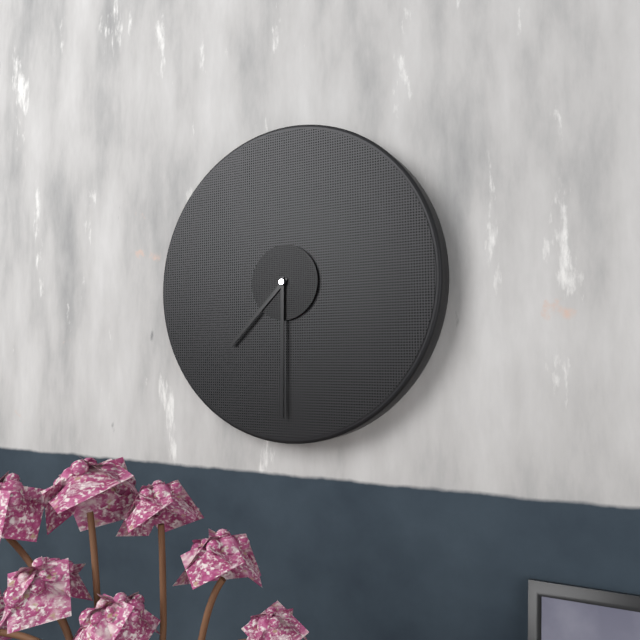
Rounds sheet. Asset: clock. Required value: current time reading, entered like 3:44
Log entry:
7:30
